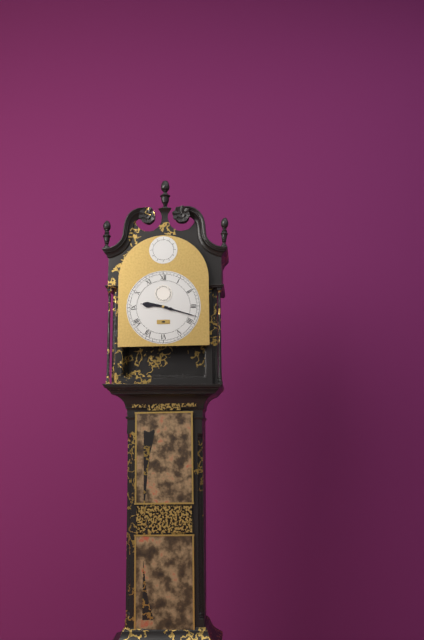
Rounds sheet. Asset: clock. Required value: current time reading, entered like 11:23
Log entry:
9:18
